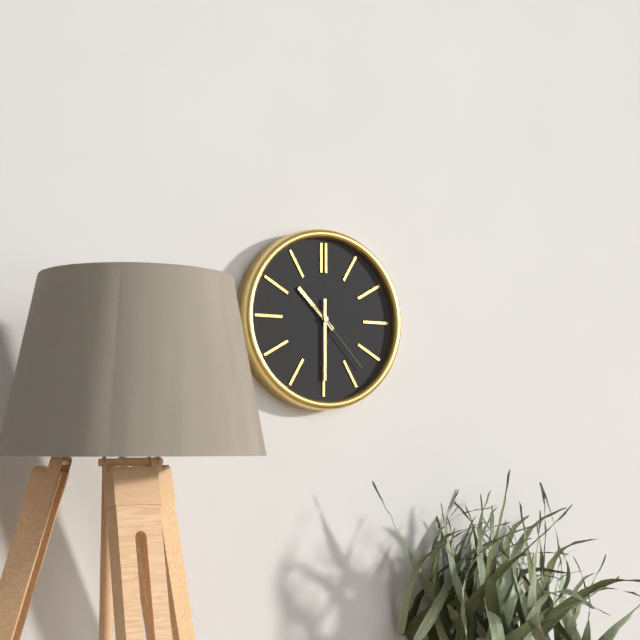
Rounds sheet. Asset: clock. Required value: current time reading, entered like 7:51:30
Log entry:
10:30:23
